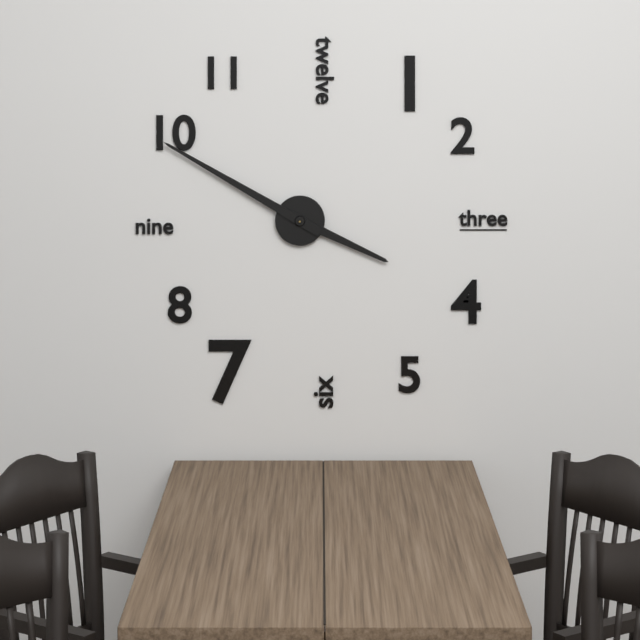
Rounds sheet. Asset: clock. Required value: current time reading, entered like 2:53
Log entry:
3:50
